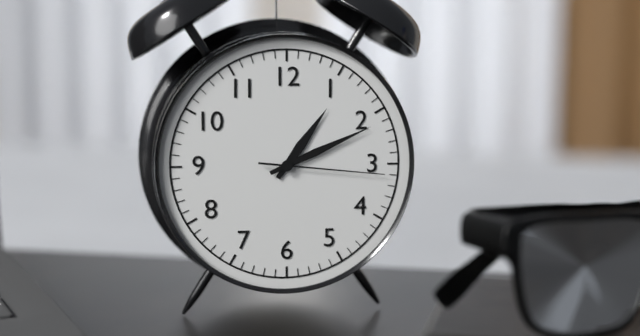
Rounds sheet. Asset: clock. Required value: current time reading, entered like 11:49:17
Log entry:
1:11:16
